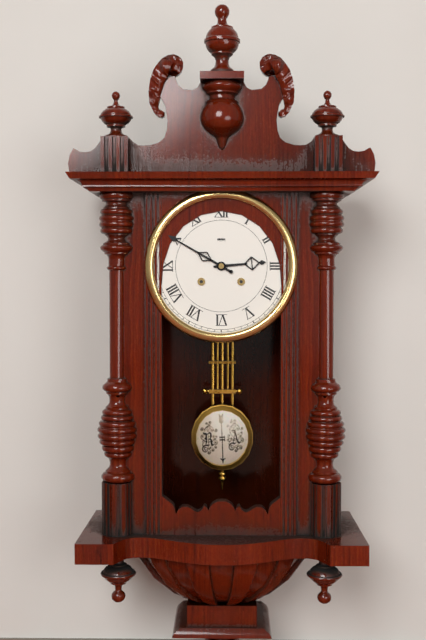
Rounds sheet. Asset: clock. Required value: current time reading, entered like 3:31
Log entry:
2:50
